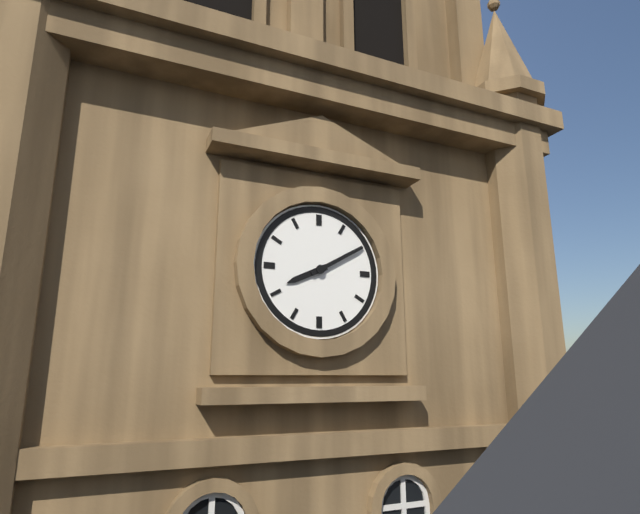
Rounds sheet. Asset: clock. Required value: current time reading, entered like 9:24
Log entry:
8:10
